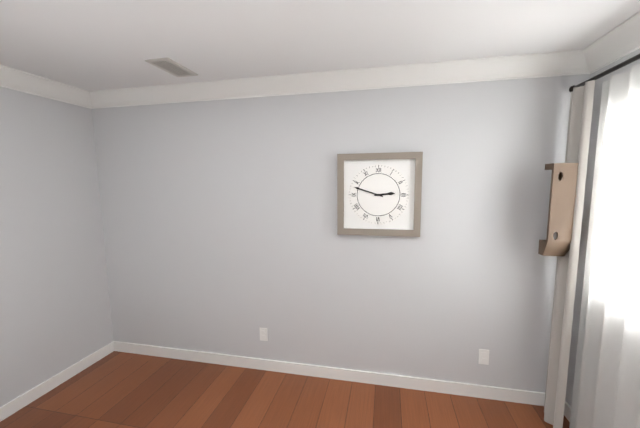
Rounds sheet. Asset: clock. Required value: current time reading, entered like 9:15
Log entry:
2:48
